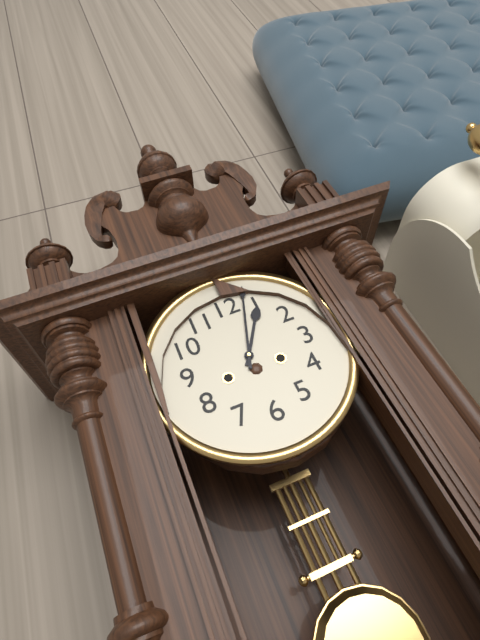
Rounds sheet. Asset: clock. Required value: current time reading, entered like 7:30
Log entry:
1:03
